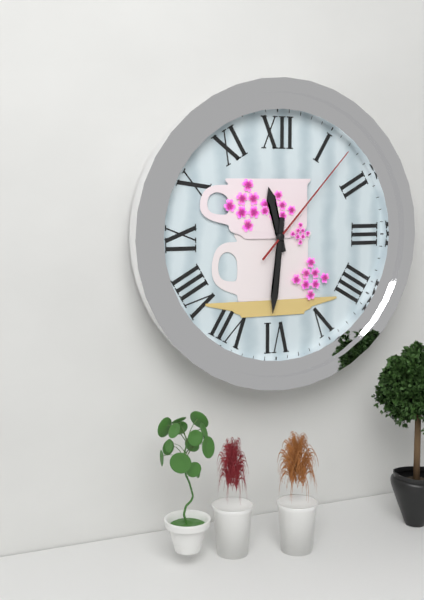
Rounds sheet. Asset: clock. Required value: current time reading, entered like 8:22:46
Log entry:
11:31:07
